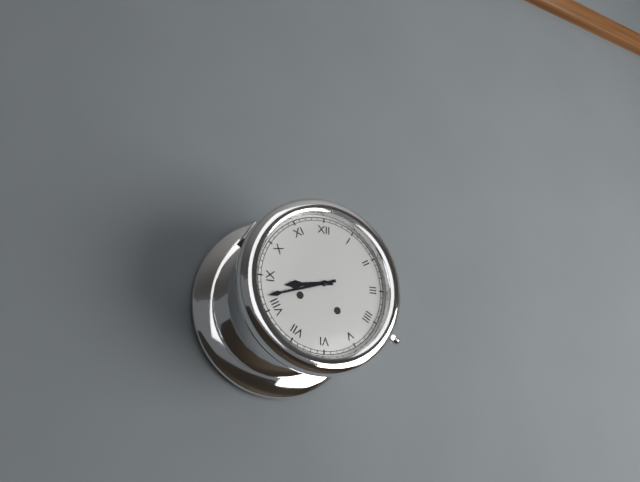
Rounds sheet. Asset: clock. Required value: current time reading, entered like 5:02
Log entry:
8:42
